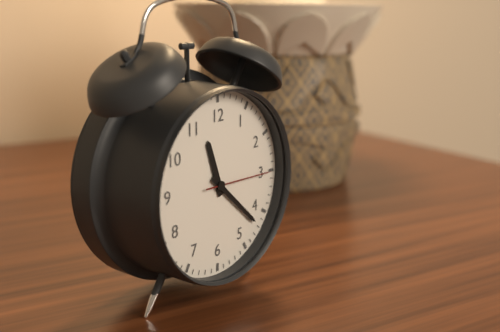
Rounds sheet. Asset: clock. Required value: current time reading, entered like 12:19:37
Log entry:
11:22:15
